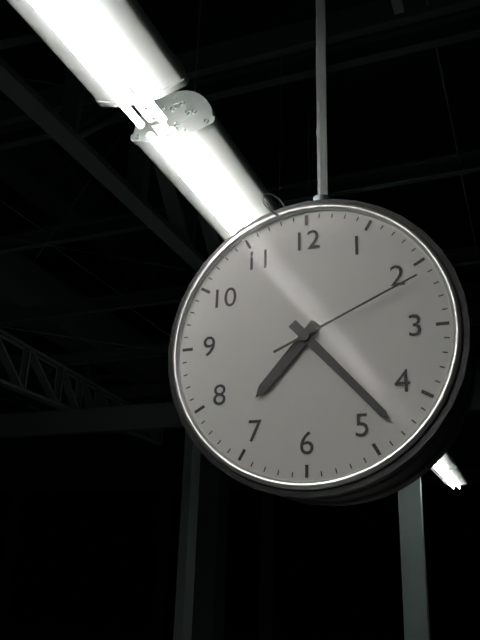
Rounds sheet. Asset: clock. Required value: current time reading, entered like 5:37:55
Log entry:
7:23:11
